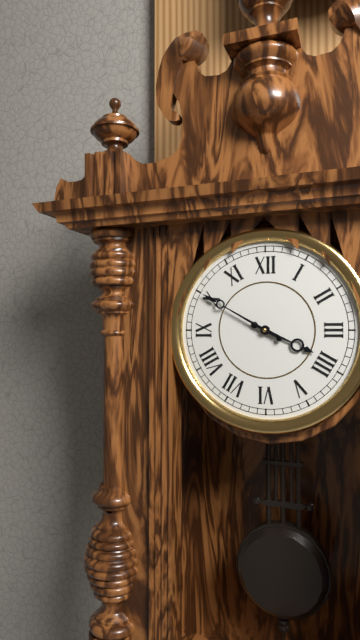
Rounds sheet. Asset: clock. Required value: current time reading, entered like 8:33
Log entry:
3:50
